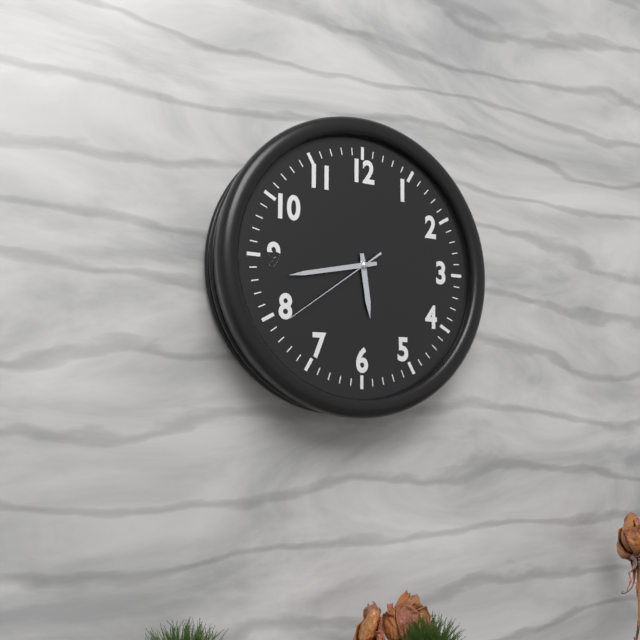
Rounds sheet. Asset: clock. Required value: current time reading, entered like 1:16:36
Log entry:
5:43:39
